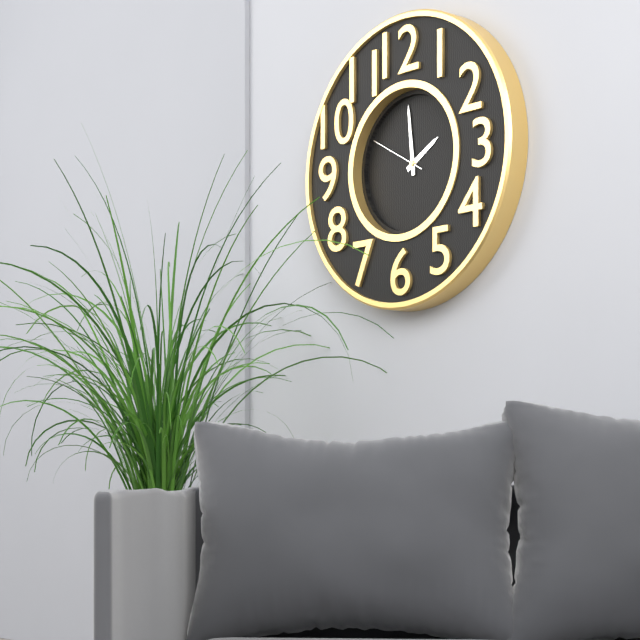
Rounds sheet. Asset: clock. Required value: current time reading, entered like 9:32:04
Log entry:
1:59:50
